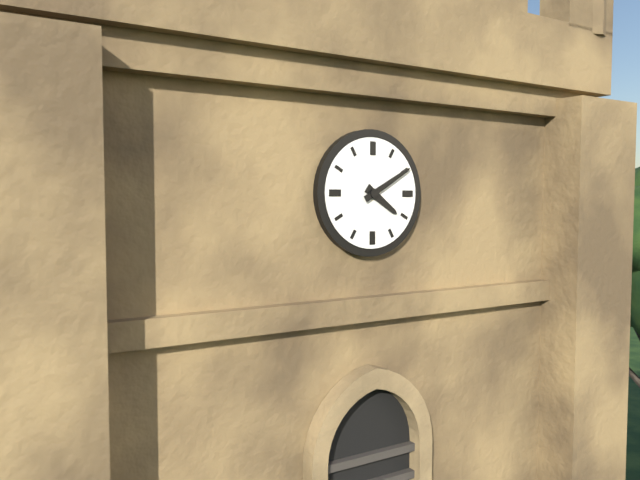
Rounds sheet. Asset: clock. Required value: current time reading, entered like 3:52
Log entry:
4:10
